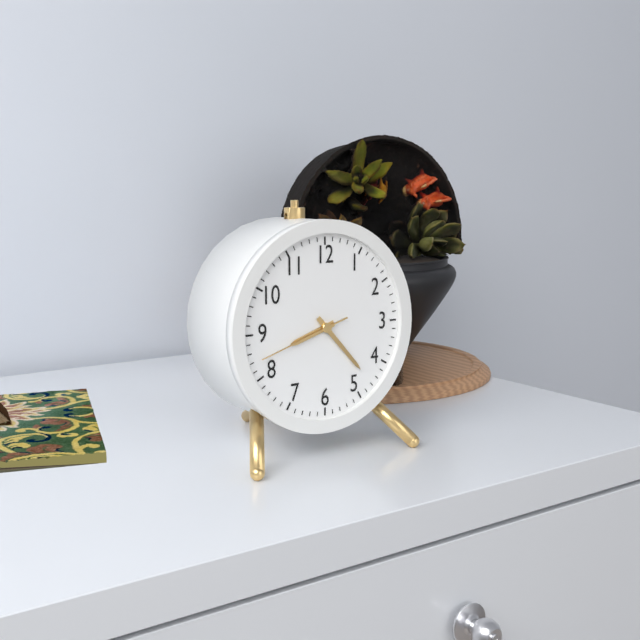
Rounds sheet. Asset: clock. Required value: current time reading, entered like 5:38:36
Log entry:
8:23:42
